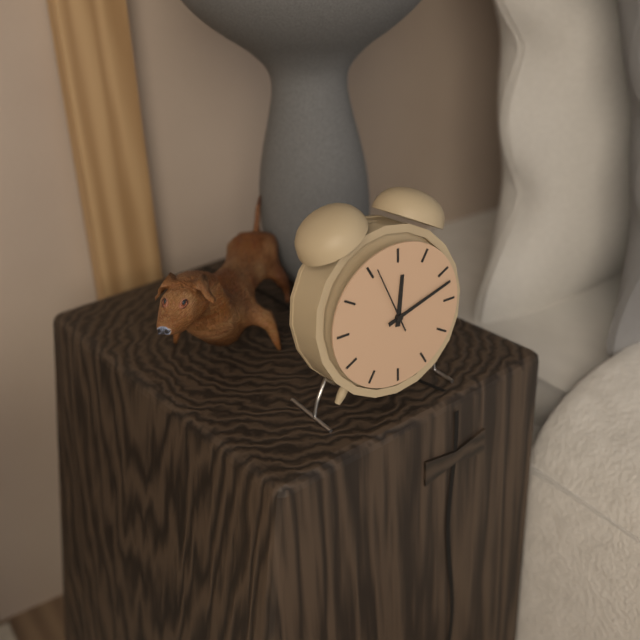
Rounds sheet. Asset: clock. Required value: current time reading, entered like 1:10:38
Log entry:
12:12:56
